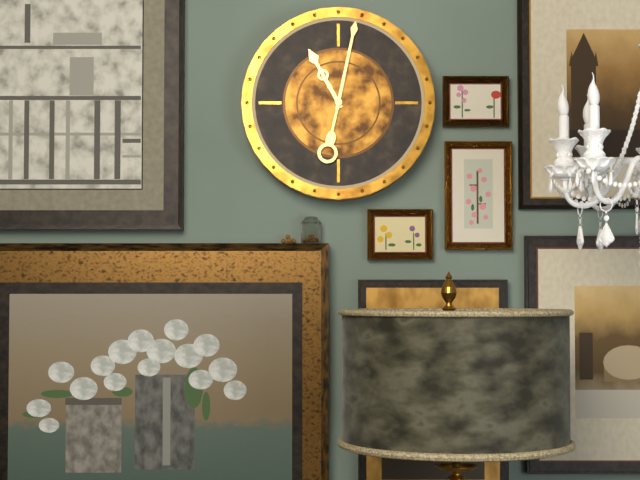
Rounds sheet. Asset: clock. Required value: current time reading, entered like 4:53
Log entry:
11:02
